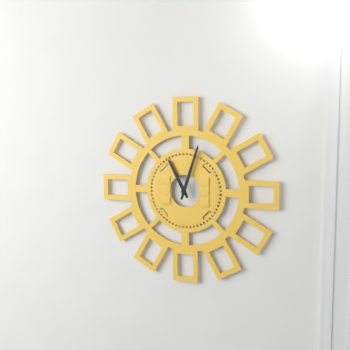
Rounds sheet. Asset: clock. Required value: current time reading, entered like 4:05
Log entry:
11:03
